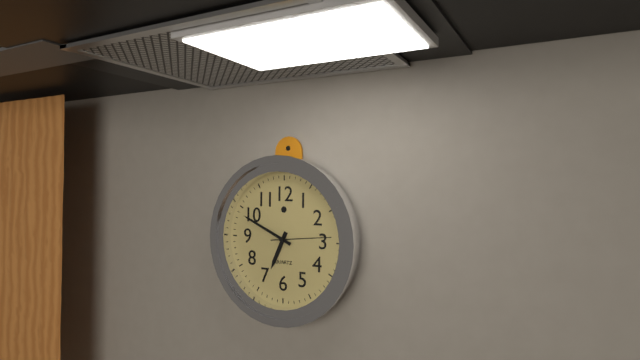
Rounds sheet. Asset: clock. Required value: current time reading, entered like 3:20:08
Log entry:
6:49:14
